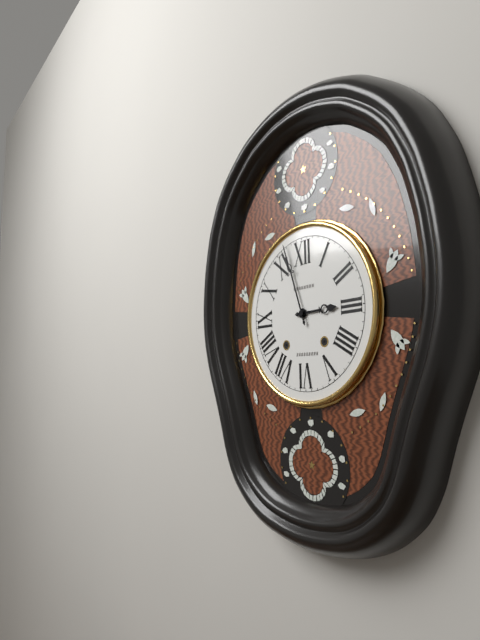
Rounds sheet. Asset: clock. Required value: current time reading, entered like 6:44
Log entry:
2:57
